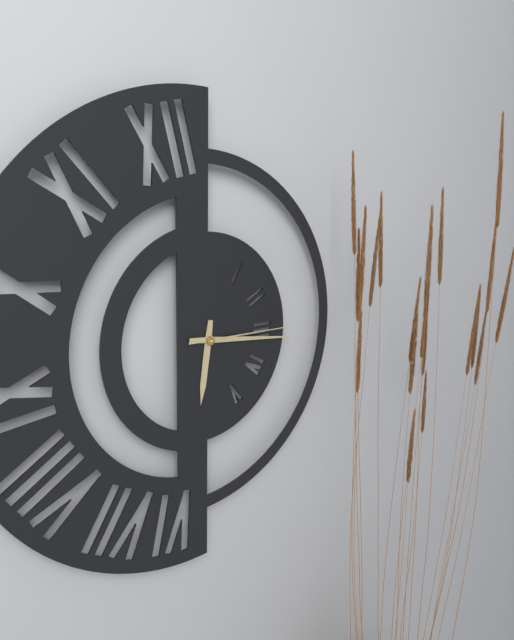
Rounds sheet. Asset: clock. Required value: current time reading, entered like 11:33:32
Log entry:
6:16:15
